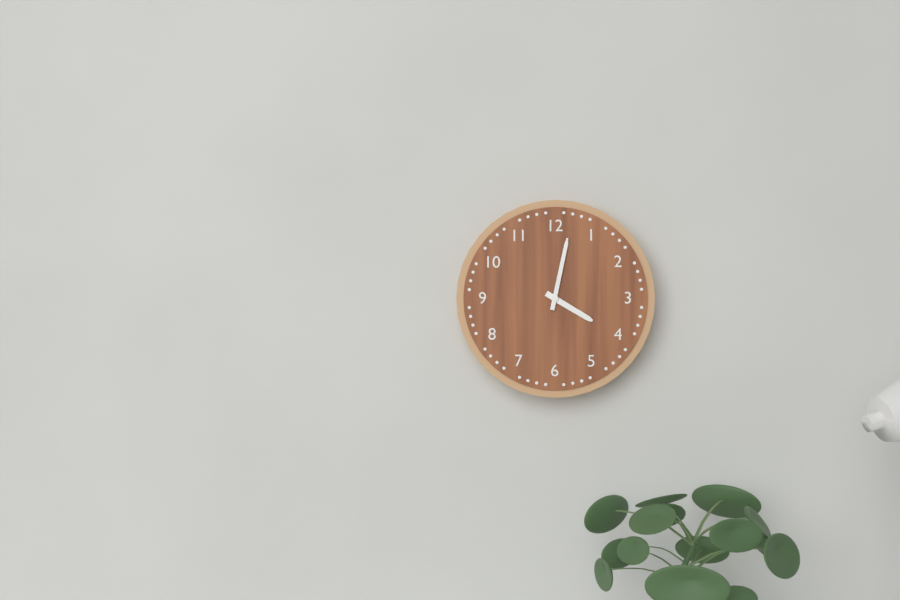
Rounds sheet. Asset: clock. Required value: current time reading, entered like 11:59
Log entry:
4:02
